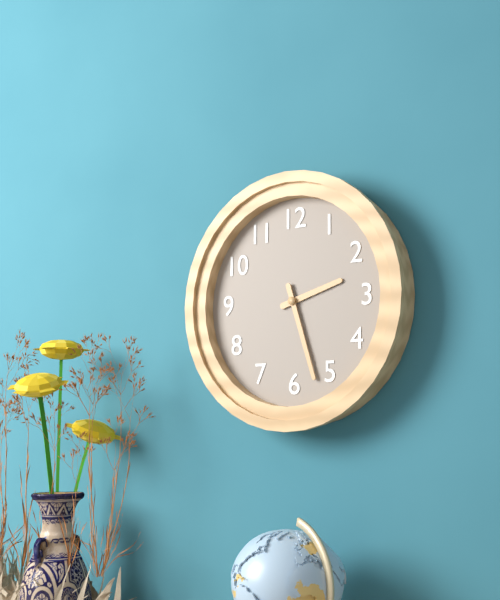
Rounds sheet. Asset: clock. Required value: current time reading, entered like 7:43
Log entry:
2:27
